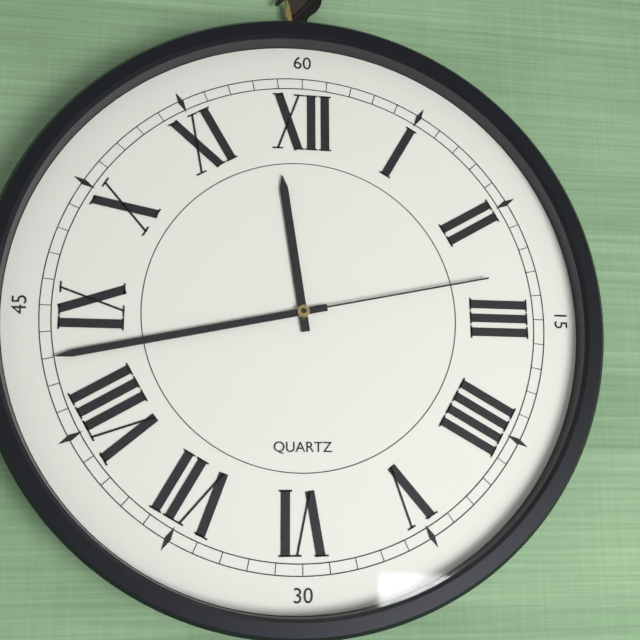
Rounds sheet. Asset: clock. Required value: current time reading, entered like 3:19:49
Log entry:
11:43:13
